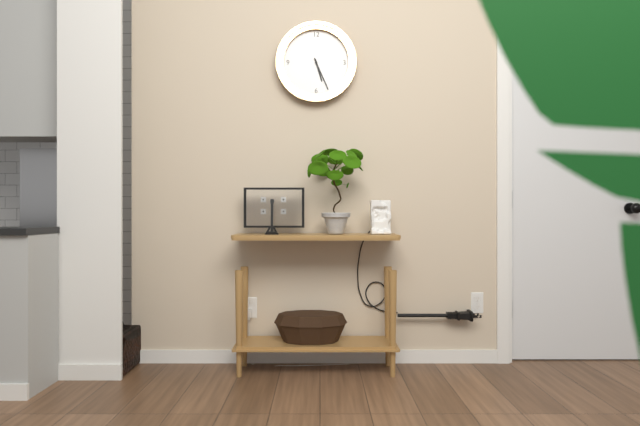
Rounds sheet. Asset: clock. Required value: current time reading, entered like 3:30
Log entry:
5:26
